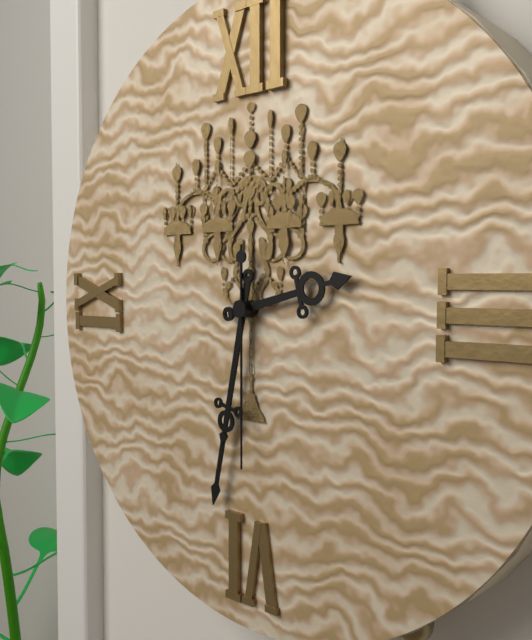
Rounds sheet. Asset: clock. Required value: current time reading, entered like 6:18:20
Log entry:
2:32:30
